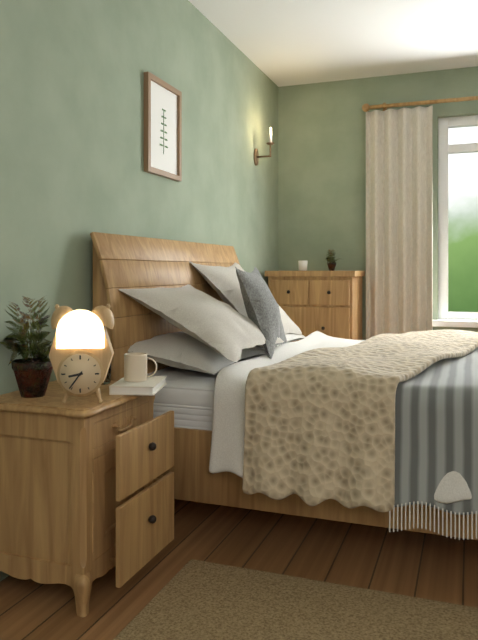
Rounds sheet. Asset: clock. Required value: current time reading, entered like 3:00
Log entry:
8:36
